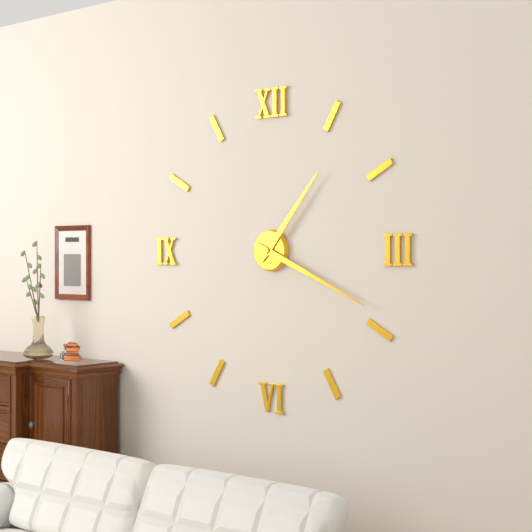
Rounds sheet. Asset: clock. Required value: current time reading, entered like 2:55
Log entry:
1:19
